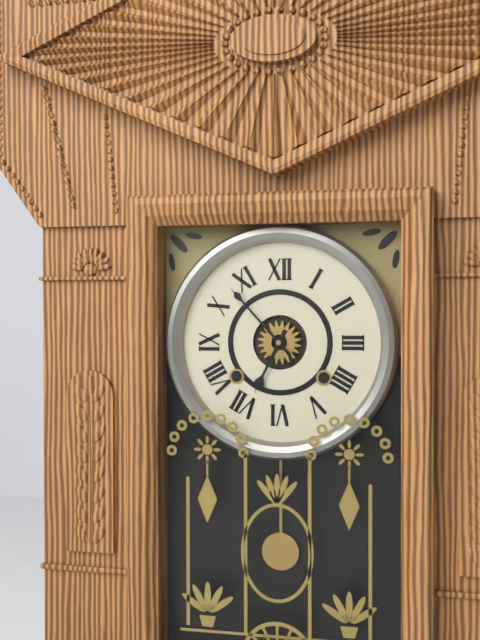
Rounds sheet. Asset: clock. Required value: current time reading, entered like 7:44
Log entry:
6:53
